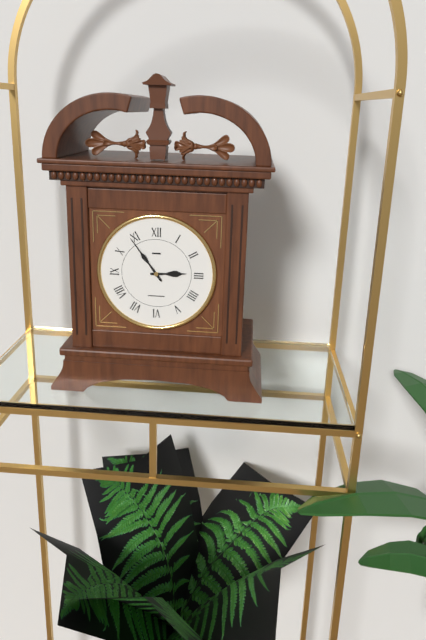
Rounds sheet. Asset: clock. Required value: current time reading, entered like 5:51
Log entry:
2:54
